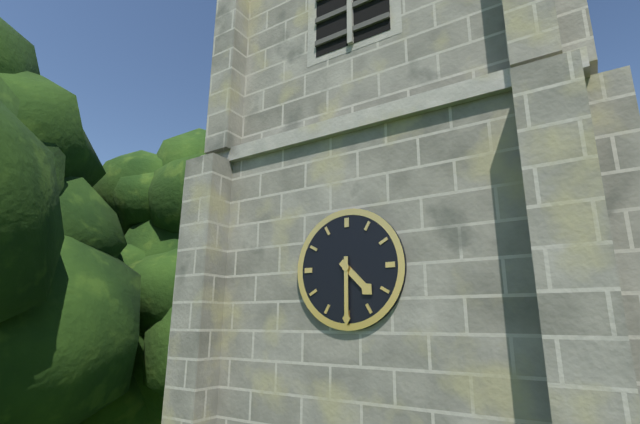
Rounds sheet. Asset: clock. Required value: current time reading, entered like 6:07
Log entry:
4:30
